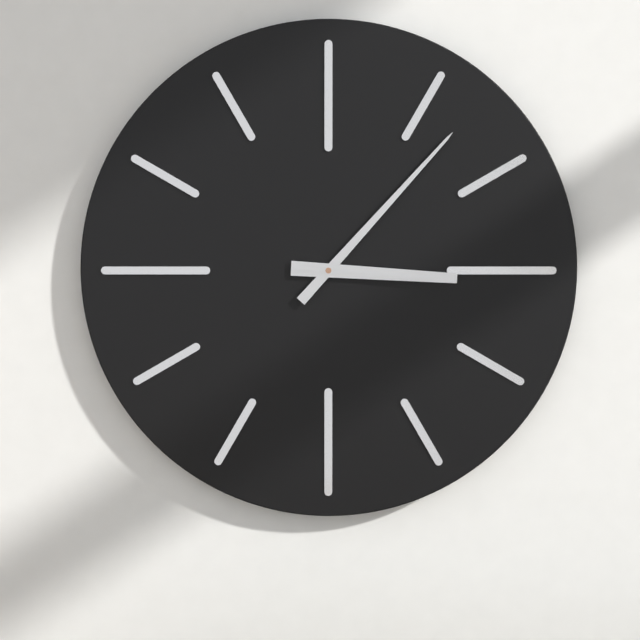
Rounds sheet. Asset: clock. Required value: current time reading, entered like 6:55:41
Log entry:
3:07:16
